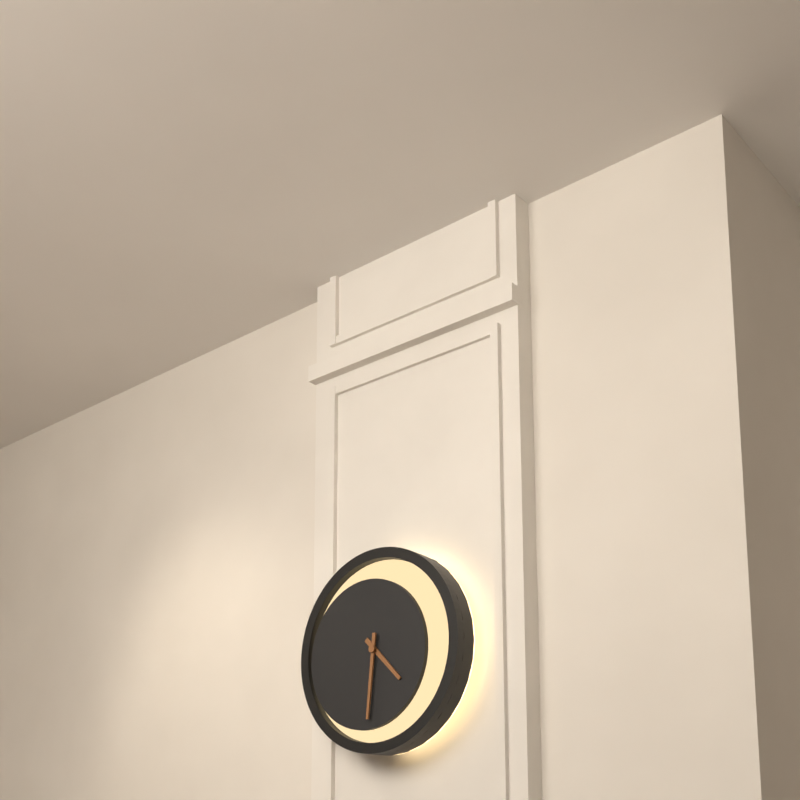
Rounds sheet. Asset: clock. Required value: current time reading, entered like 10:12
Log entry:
4:31
